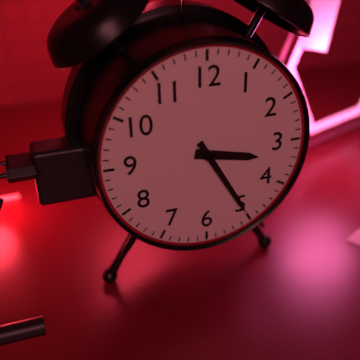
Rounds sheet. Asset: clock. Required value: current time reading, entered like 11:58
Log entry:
3:25
